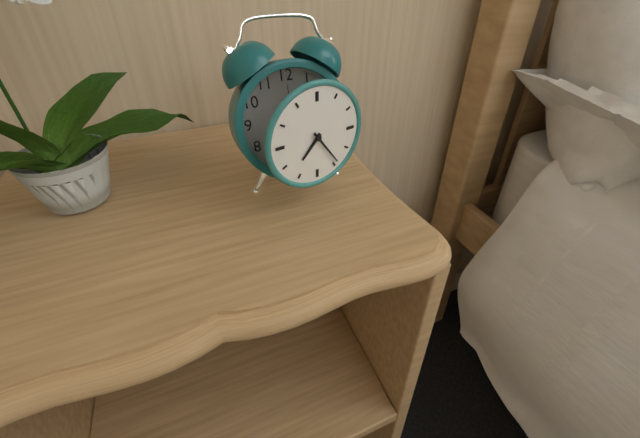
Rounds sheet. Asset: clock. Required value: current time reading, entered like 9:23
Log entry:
7:24
